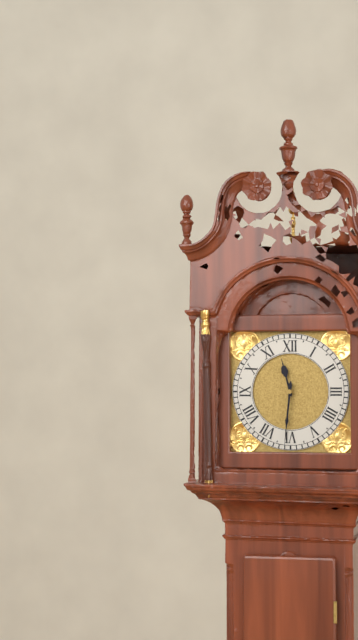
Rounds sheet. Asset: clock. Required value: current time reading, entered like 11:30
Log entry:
11:31
